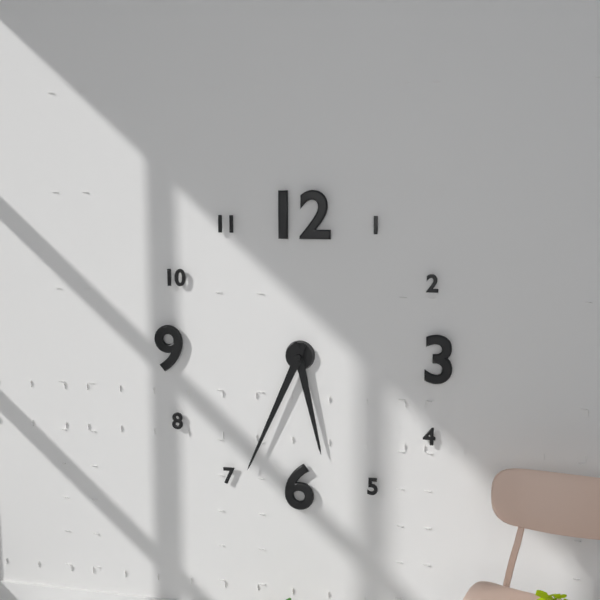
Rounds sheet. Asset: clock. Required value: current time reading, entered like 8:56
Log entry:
5:34
